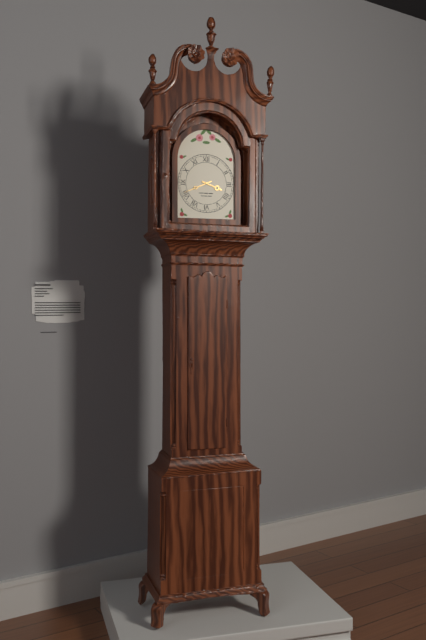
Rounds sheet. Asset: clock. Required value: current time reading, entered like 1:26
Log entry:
3:41
